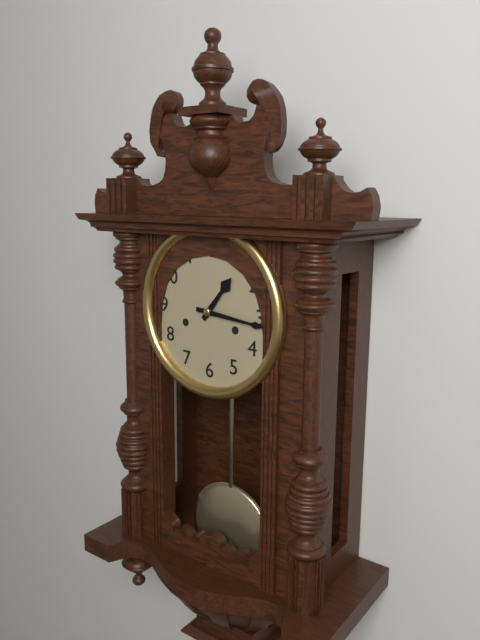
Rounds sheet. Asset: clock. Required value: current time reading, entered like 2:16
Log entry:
1:16
